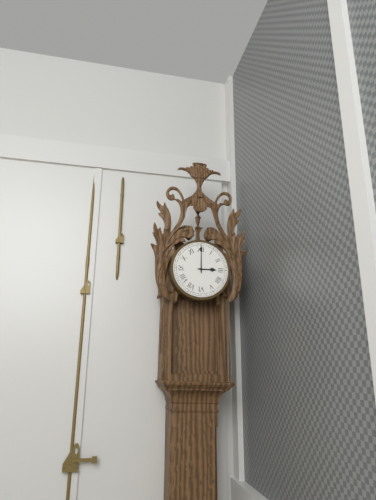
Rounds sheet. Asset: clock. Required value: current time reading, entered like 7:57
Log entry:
3:00
